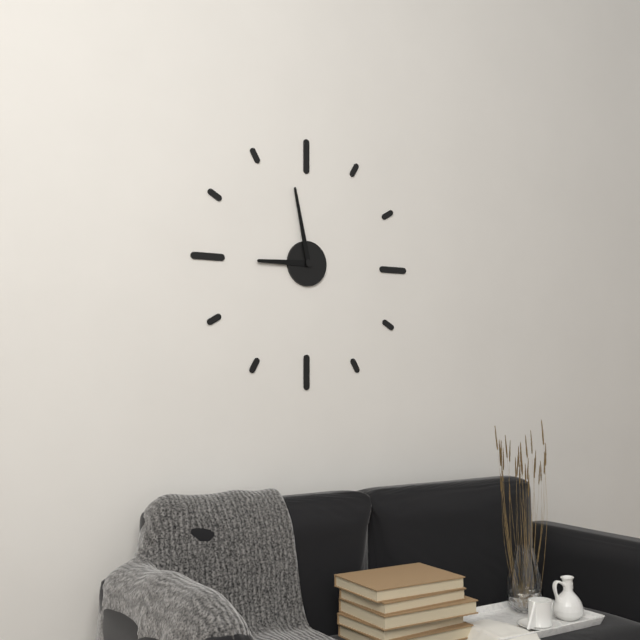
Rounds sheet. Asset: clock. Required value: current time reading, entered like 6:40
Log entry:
8:58
